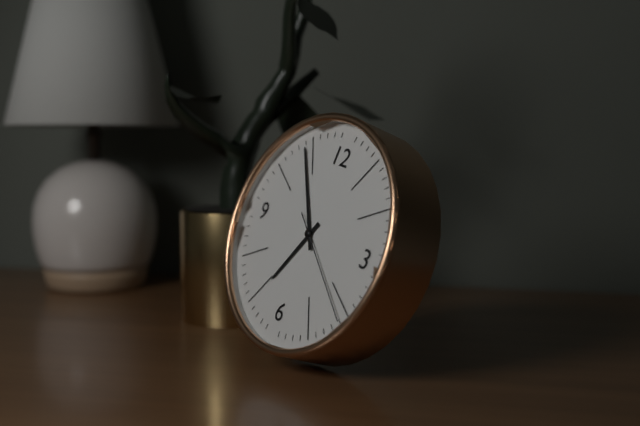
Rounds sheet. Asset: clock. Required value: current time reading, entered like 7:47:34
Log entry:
6:54:21
